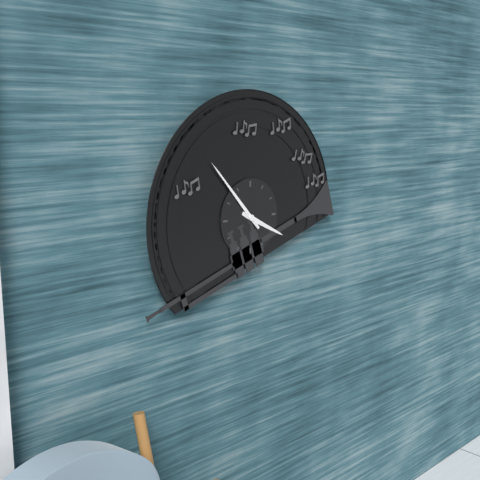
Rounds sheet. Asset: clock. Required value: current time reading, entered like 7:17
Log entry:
3:53
